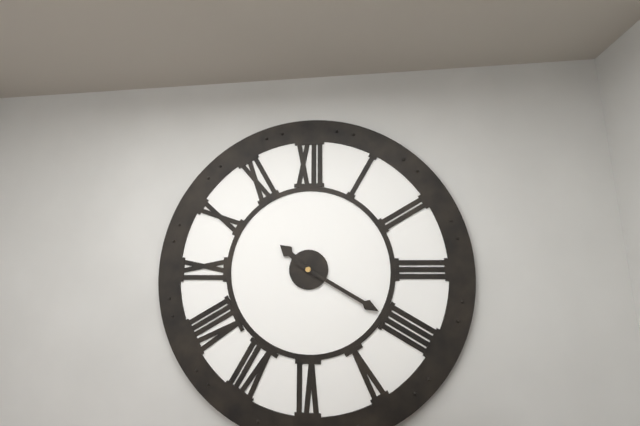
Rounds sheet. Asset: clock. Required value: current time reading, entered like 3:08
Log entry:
10:20
